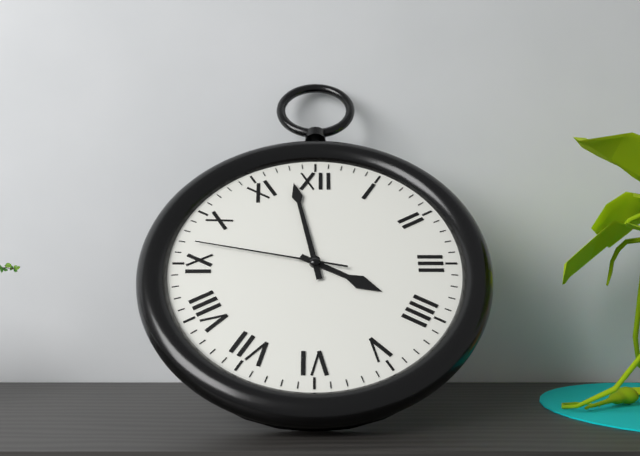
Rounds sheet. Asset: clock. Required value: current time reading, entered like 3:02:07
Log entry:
3:58:47
